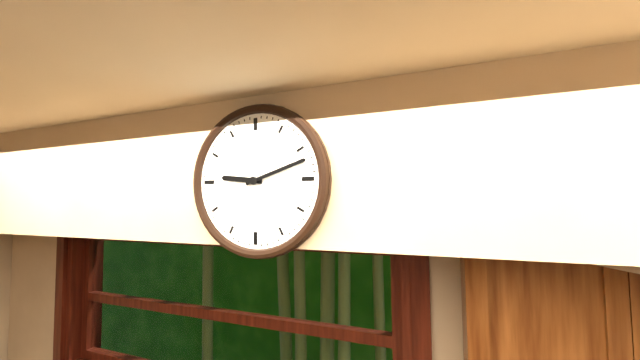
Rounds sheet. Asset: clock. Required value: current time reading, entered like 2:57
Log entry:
9:12
